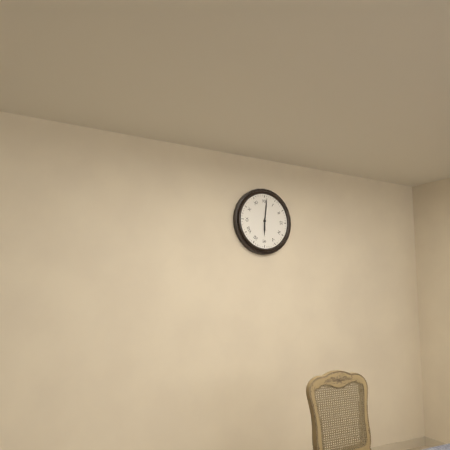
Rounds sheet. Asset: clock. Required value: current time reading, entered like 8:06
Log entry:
6:01
